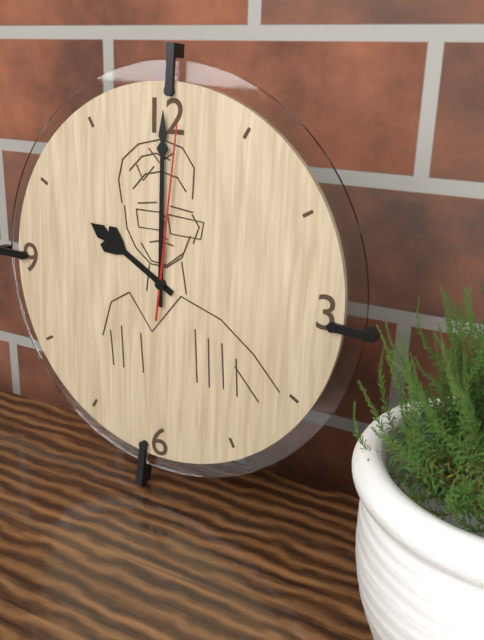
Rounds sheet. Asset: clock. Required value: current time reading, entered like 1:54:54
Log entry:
10:00:01
